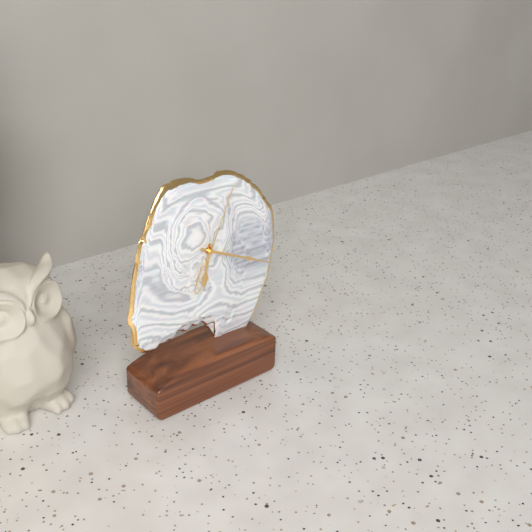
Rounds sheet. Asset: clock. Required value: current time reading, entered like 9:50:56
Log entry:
6:19:04
